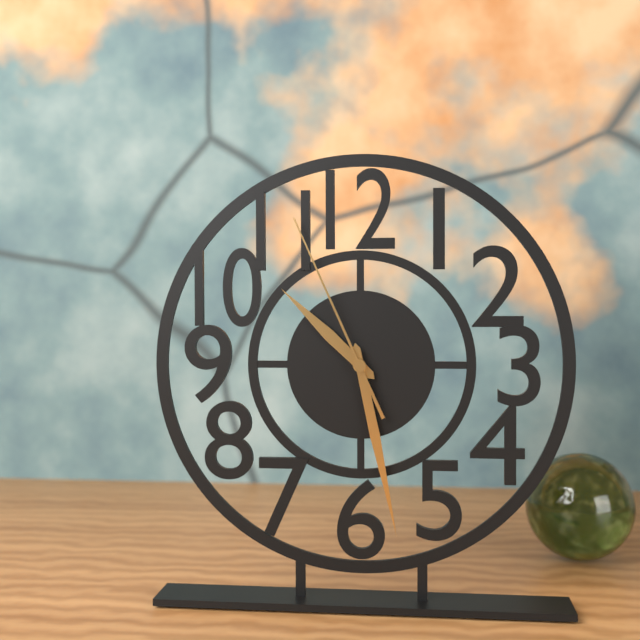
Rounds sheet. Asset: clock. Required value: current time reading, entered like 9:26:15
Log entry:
10:28:56
